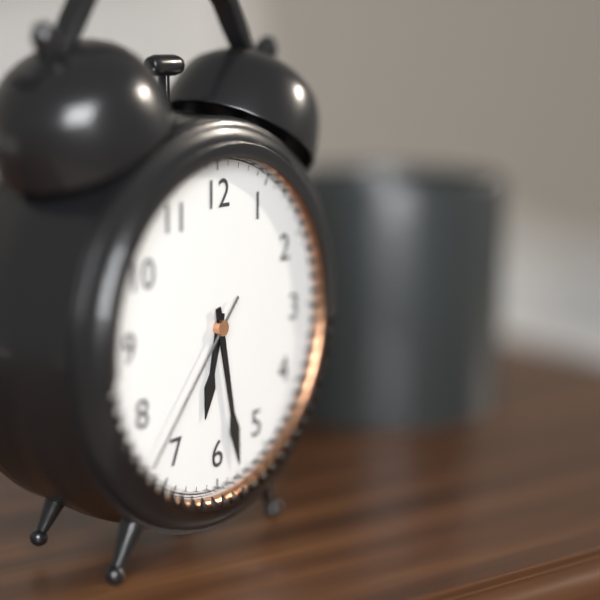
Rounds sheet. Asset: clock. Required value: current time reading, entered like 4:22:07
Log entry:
6:28:37
